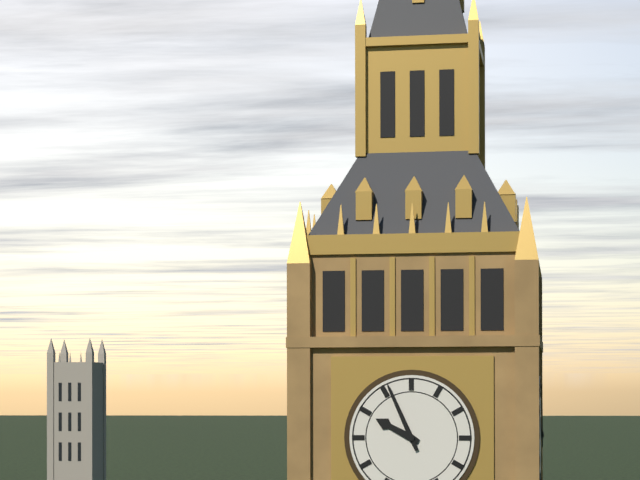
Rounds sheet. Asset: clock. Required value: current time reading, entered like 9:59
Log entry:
9:56
